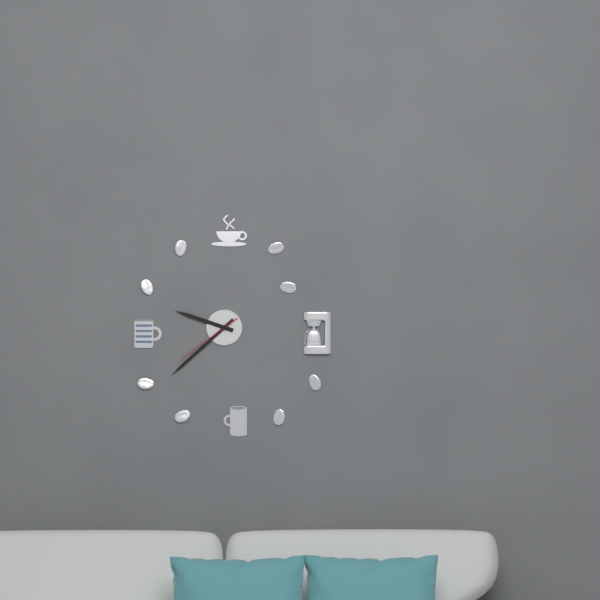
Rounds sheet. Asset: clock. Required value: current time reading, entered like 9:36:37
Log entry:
9:38:39
